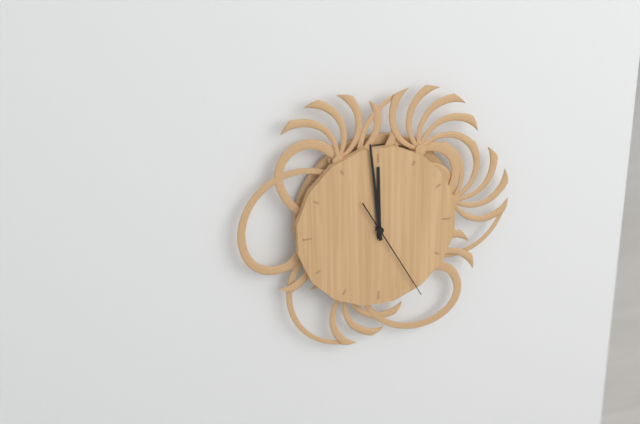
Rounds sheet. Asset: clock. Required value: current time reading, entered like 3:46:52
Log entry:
11:59:25
